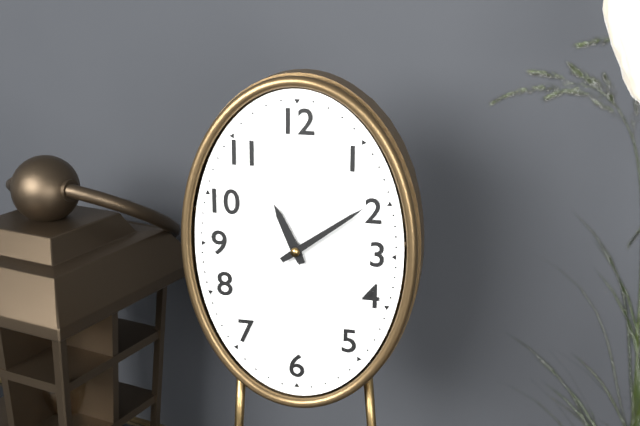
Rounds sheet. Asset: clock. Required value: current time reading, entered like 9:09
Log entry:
11:09
